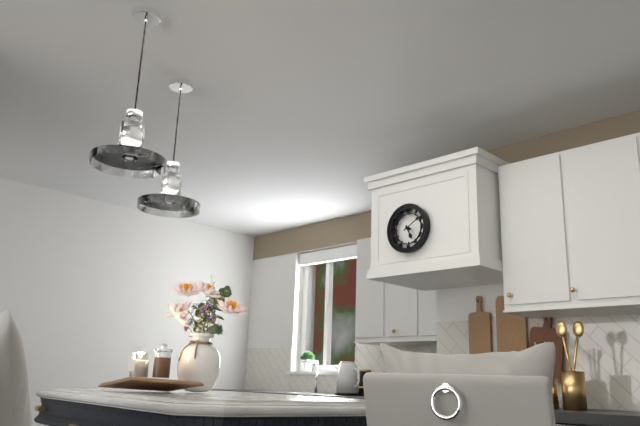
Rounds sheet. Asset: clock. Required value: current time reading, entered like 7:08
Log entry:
5:10
